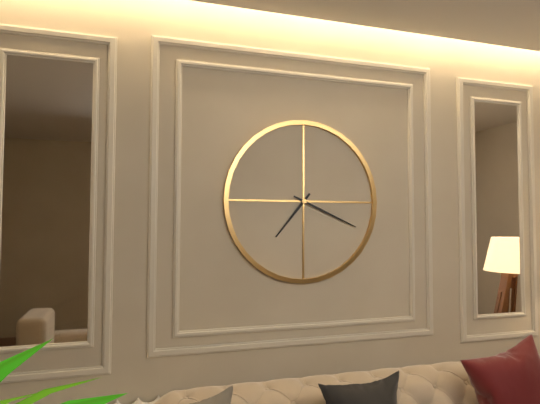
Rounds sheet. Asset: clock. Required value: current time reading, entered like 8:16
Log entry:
7:19
